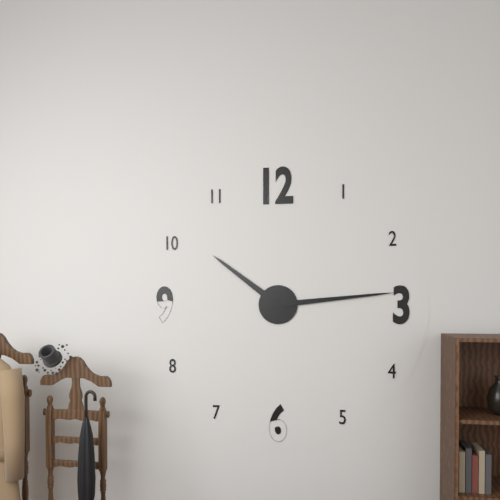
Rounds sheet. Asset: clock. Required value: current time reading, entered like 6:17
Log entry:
10:14
